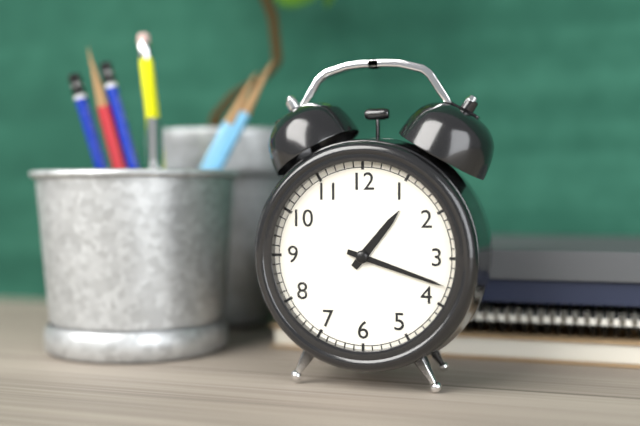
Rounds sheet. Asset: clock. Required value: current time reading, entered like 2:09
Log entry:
1:18
